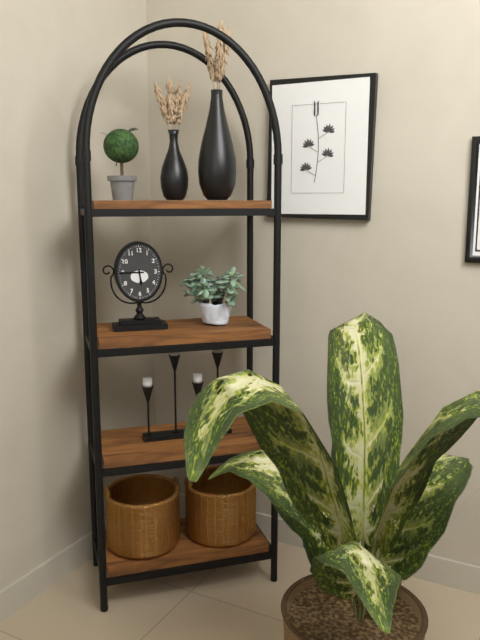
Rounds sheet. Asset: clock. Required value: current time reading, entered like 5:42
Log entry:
5:45
